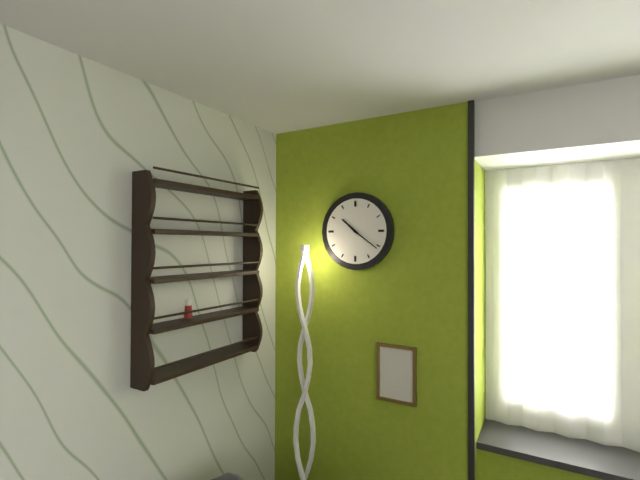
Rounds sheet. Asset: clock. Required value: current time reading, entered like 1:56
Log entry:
10:21
